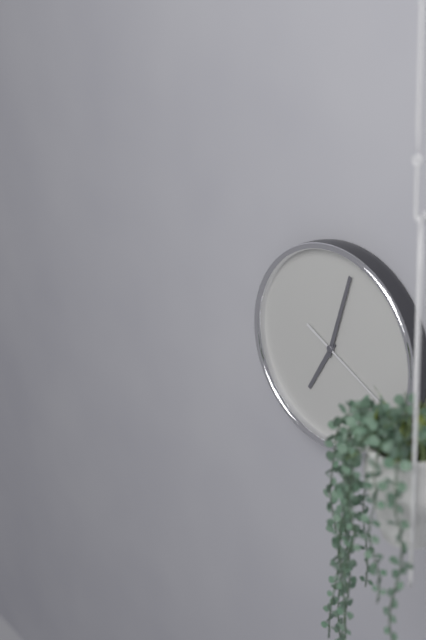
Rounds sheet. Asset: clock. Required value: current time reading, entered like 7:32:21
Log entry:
7:03:20
